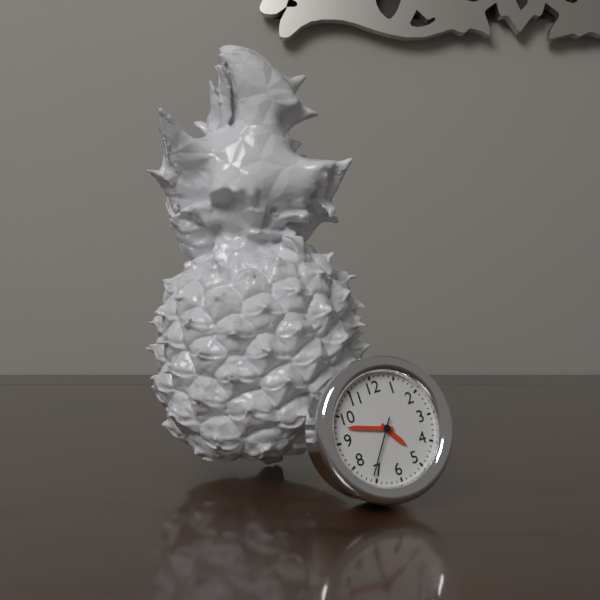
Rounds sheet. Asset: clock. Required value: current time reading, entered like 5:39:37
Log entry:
4:48:36
